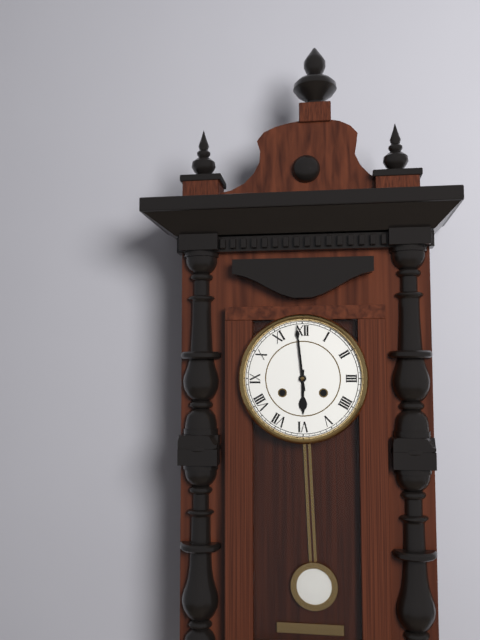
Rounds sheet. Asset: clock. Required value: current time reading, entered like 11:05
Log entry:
5:59
